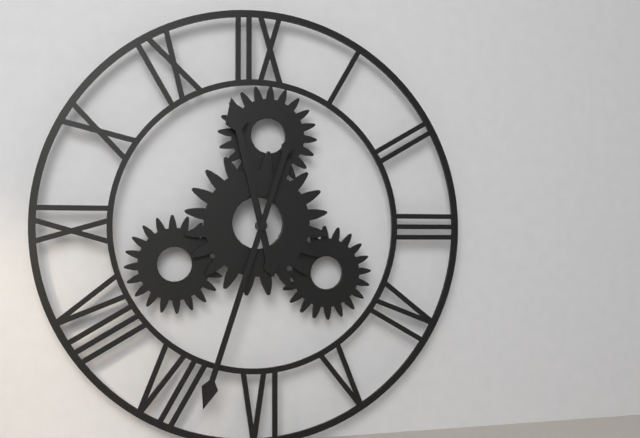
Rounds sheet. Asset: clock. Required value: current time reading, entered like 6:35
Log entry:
11:33
